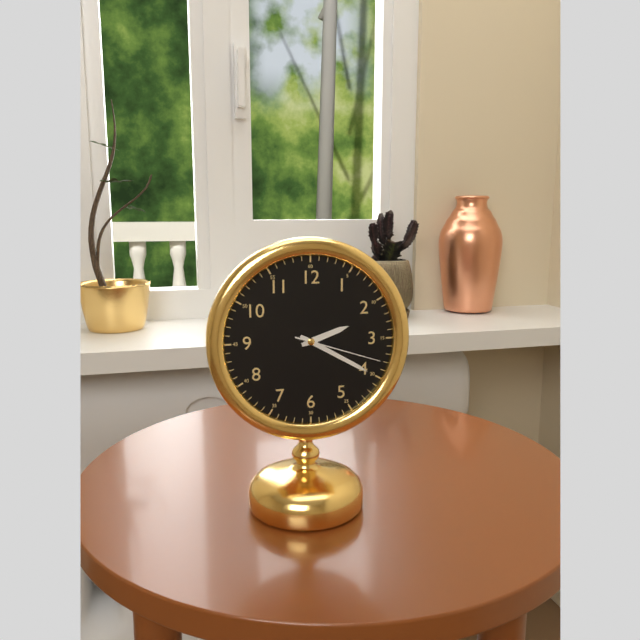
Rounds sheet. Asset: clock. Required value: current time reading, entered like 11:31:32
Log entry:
2:20:18
